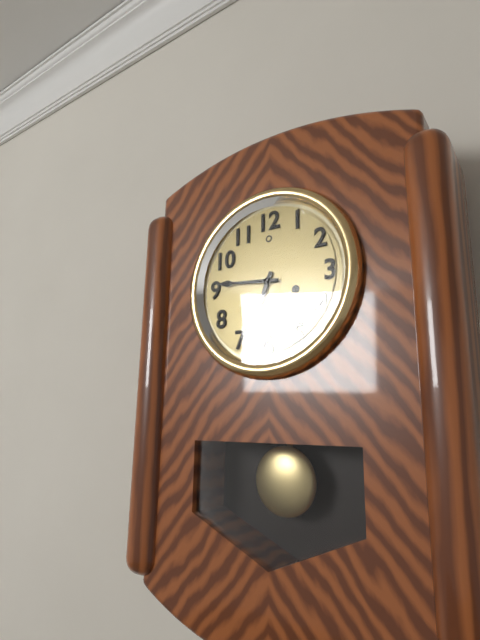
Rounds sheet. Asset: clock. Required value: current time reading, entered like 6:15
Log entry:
6:46
